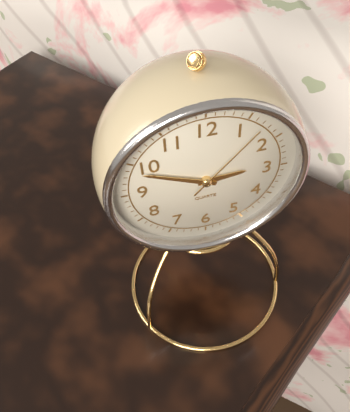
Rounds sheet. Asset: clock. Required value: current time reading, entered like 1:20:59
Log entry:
2:49:07
